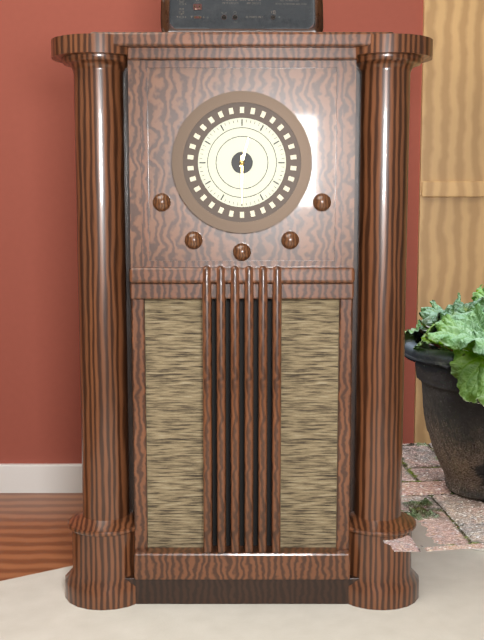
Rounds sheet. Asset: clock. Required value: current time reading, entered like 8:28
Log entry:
12:30
